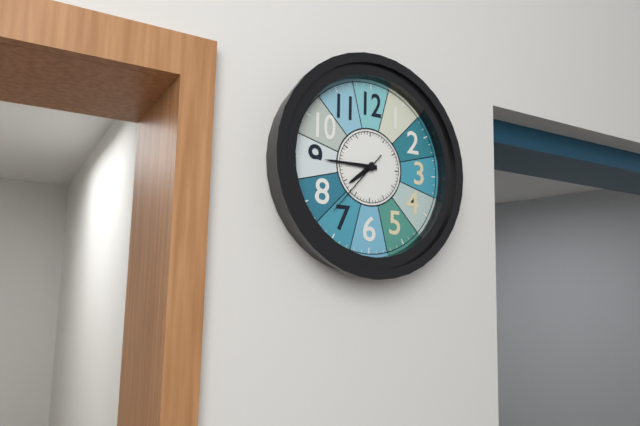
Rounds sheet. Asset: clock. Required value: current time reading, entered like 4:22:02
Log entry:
7:45:37
